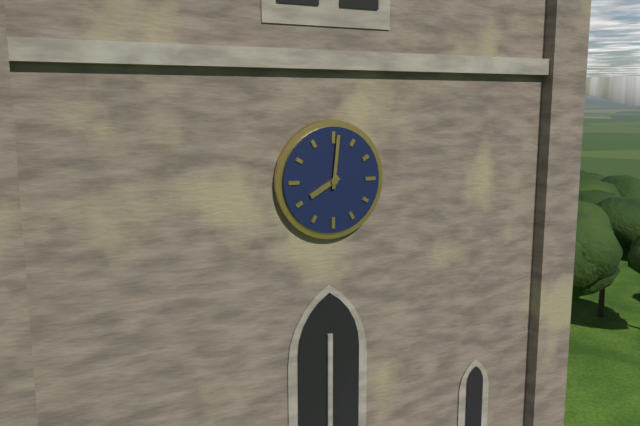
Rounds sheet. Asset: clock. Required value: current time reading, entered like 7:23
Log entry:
8:01
